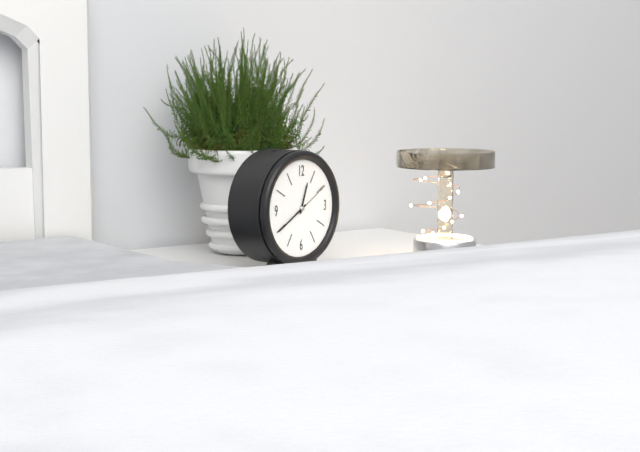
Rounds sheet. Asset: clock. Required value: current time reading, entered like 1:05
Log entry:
12:40
